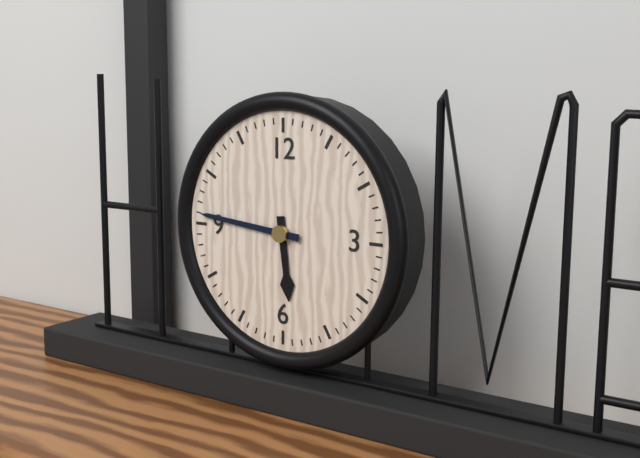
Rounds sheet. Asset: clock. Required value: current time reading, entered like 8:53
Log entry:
5:46
